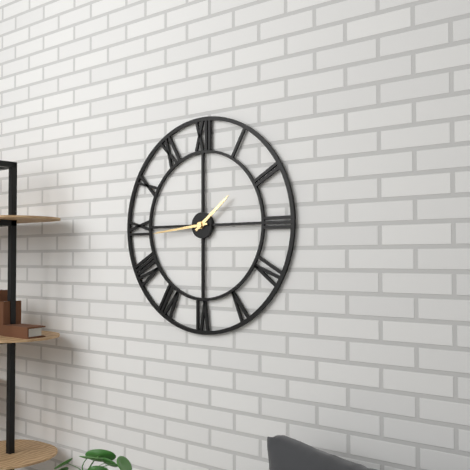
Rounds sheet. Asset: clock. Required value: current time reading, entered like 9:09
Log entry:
1:44
